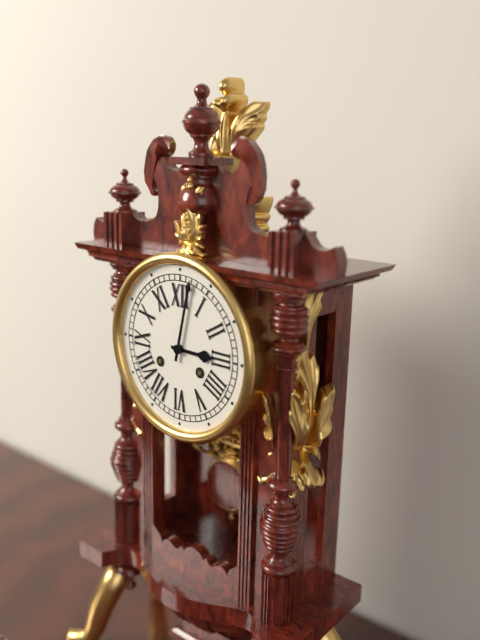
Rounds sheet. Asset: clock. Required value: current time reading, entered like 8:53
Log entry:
3:02
